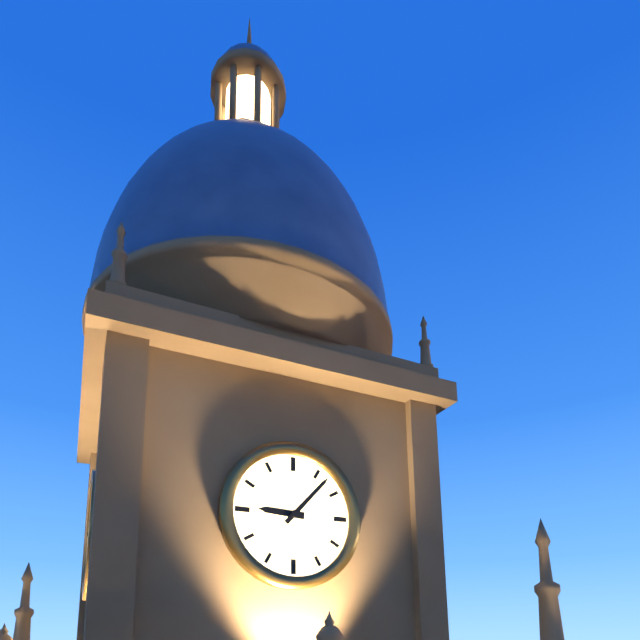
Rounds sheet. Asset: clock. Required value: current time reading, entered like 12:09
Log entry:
9:07
